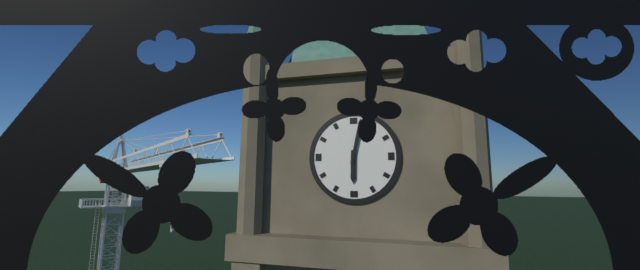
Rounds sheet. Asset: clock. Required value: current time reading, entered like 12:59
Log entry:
6:02
